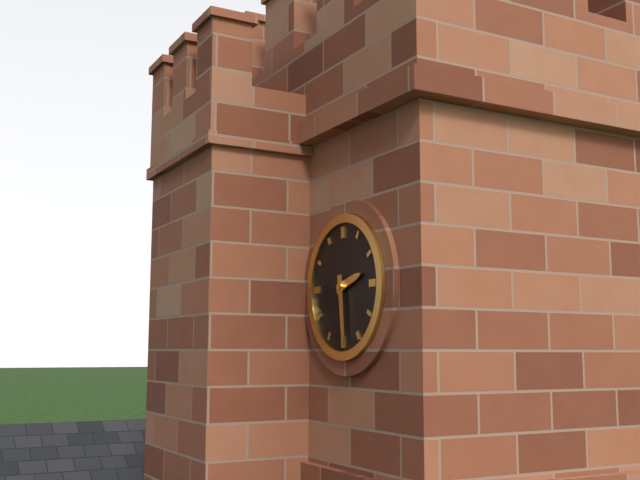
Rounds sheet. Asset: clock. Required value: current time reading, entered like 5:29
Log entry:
2:29
